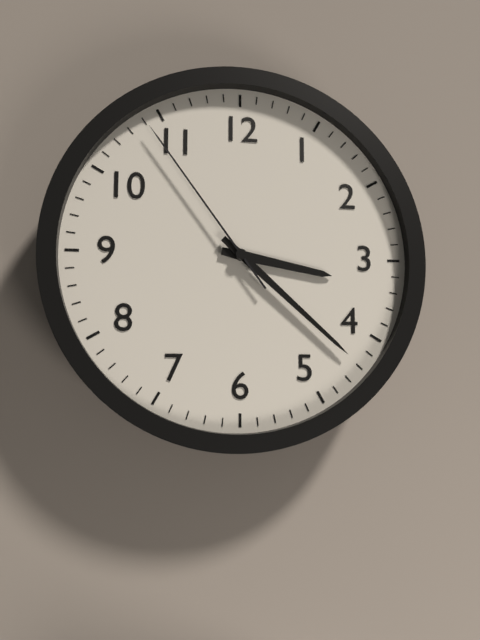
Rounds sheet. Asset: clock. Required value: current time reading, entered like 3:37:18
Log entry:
3:22:54
